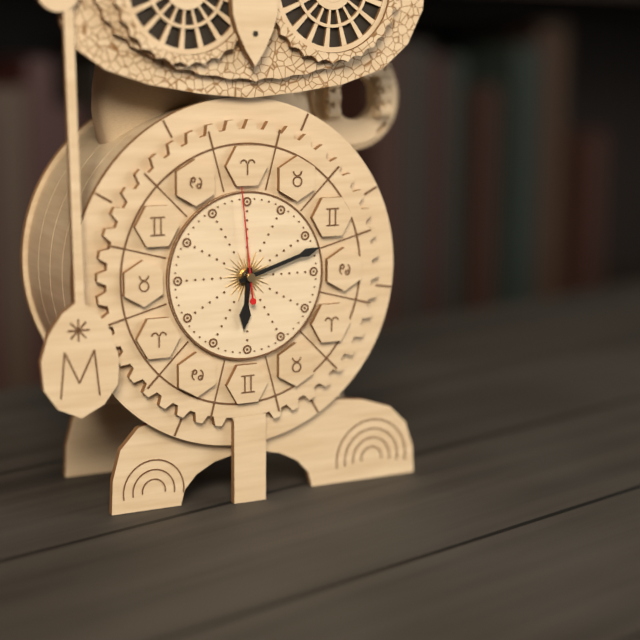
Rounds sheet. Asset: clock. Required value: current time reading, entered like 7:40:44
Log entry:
6:12:59
